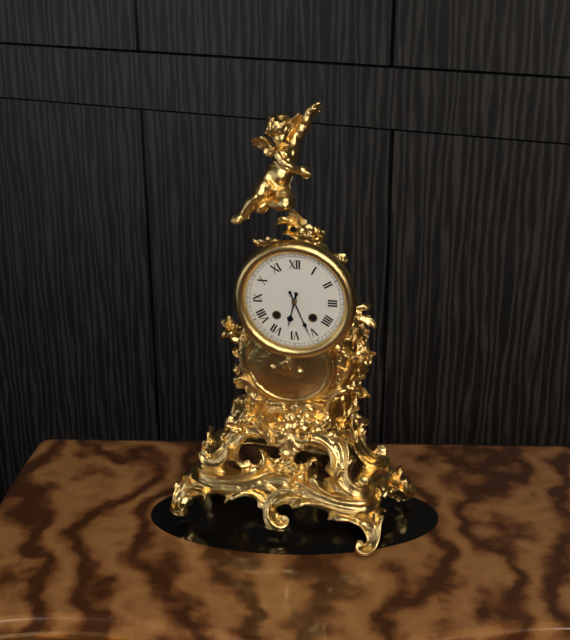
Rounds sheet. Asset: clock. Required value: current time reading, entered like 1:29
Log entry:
6:26
